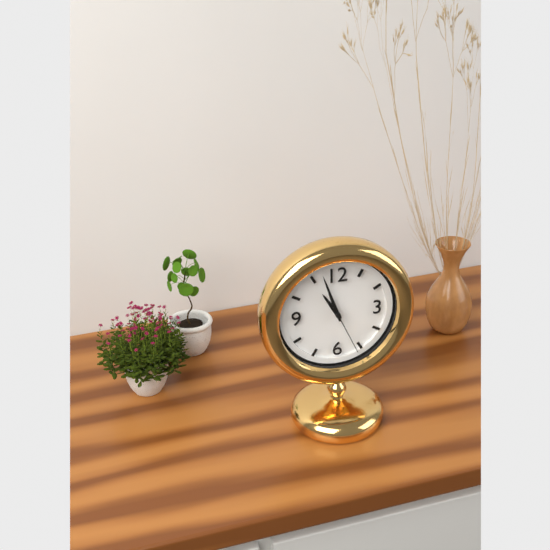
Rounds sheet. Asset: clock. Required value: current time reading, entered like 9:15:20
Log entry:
10:57:26
